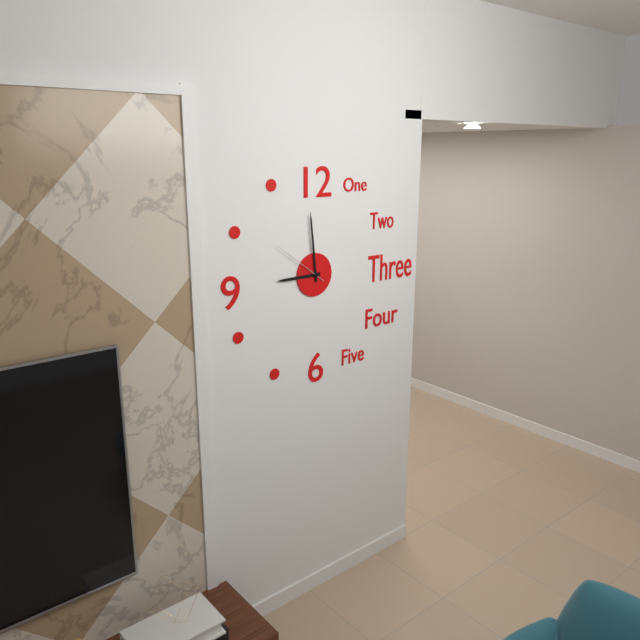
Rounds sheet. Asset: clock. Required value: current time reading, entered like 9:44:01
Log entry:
8:59:51
